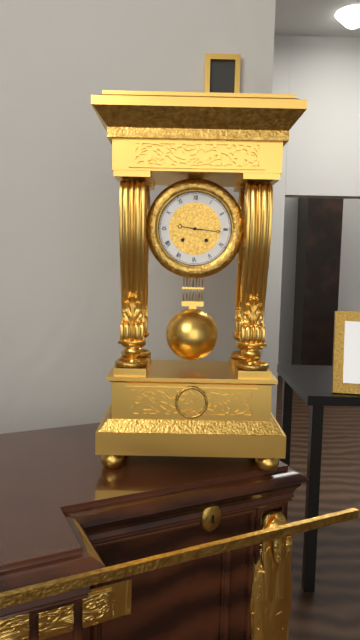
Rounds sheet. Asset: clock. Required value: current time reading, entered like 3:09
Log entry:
9:16
